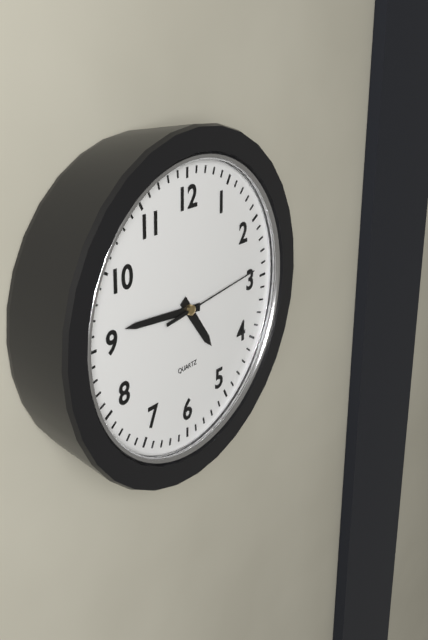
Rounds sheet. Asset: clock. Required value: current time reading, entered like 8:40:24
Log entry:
4:46:14
